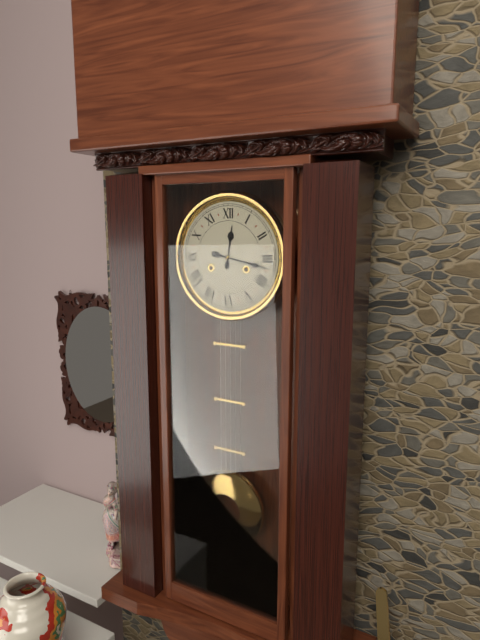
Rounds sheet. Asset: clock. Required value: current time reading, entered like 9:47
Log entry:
12:17
